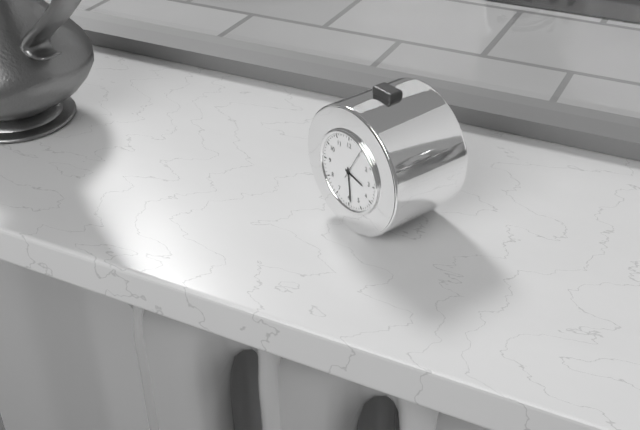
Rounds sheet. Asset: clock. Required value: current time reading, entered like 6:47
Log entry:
3:29
